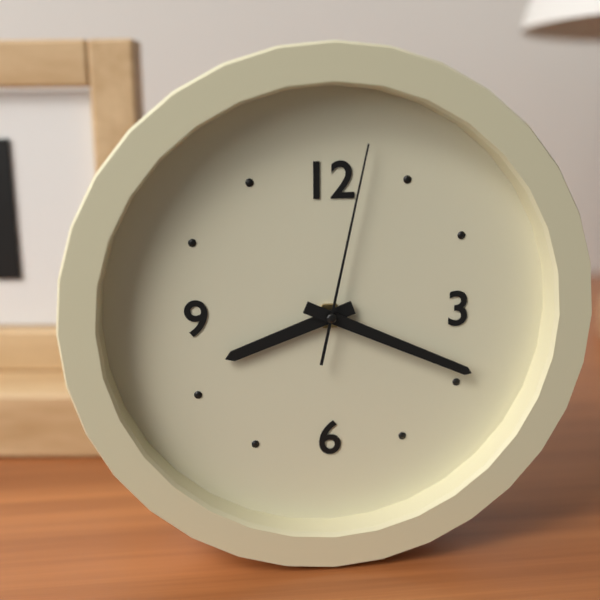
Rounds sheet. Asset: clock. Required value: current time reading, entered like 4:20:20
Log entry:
8:19:02
